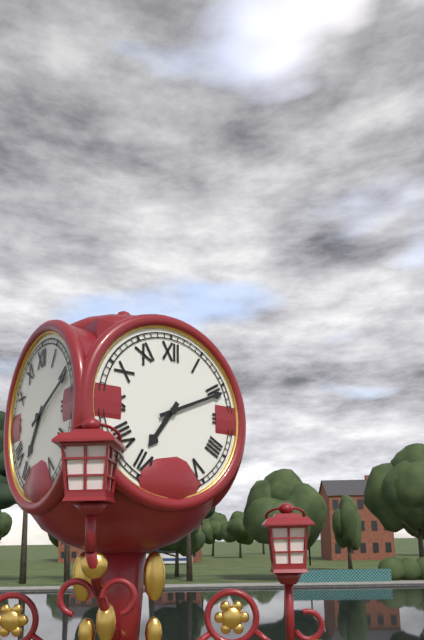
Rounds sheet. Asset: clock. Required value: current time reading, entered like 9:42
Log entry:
7:11
